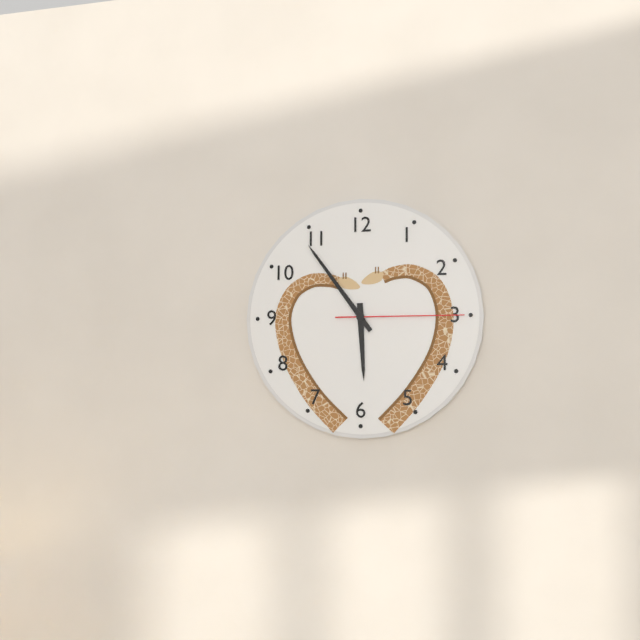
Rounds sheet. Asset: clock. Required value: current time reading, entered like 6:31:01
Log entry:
5:54:15
